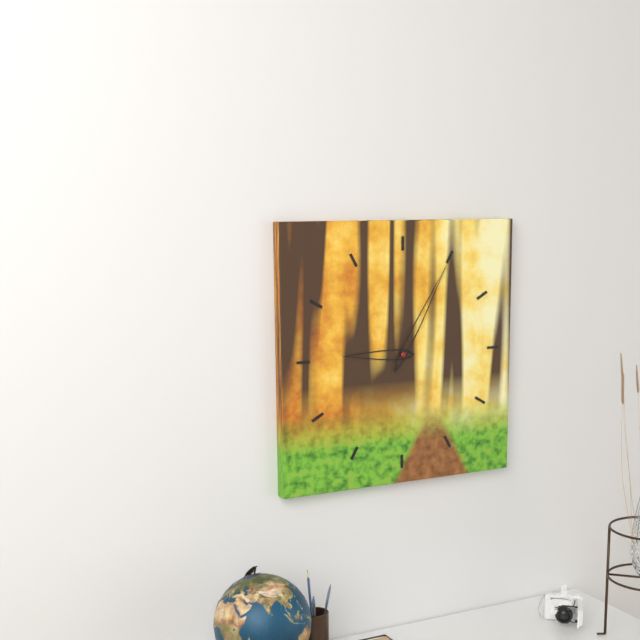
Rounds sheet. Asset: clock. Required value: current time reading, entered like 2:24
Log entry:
9:05
